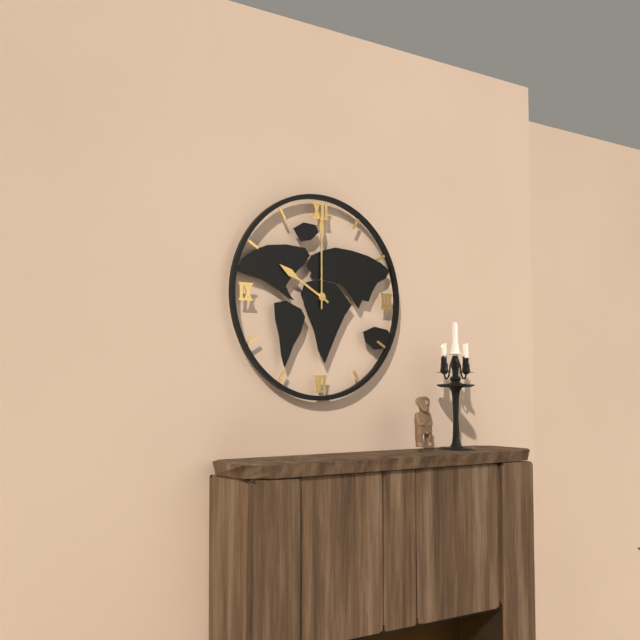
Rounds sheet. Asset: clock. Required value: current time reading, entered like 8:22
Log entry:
10:00
